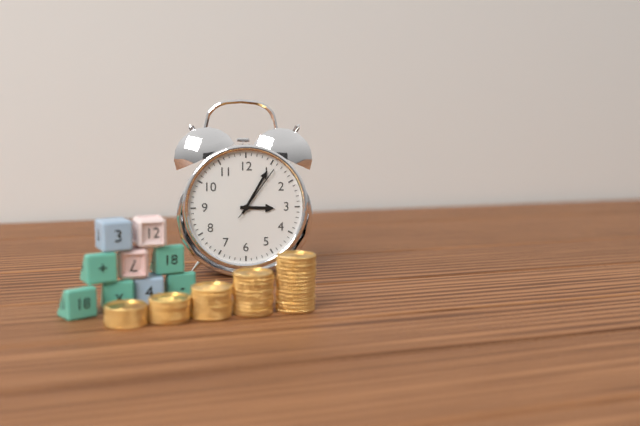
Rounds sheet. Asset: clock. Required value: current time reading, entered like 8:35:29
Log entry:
3:05:06
